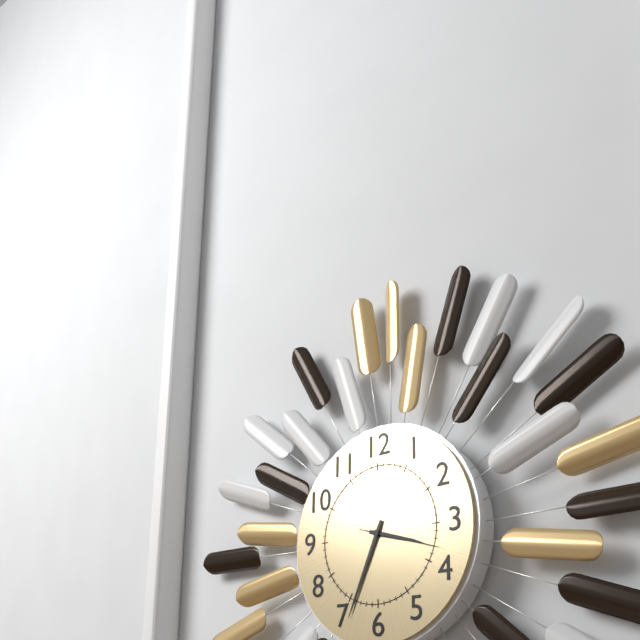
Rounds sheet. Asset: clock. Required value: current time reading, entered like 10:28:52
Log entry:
3:34:18
